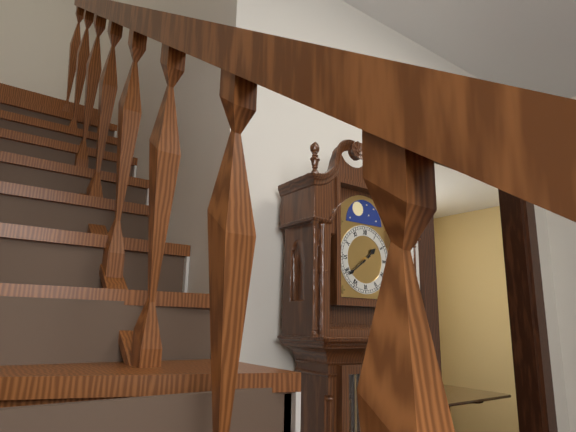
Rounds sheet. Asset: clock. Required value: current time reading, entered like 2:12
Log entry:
1:39
